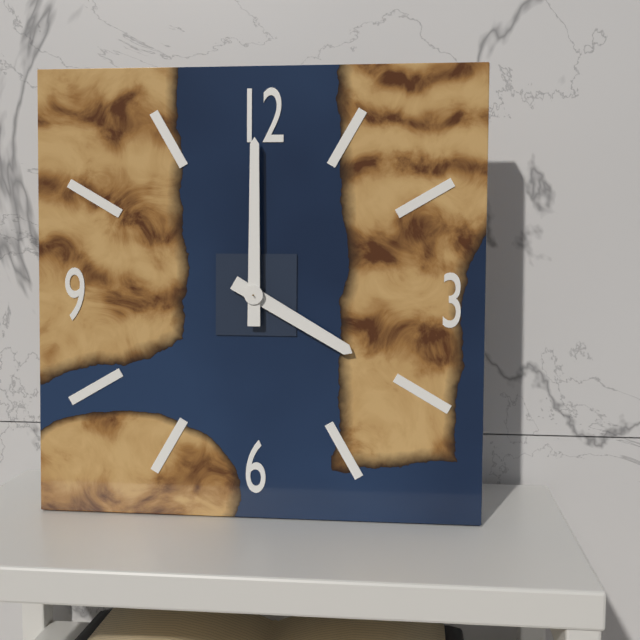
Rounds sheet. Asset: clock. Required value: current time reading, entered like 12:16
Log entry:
4:00
